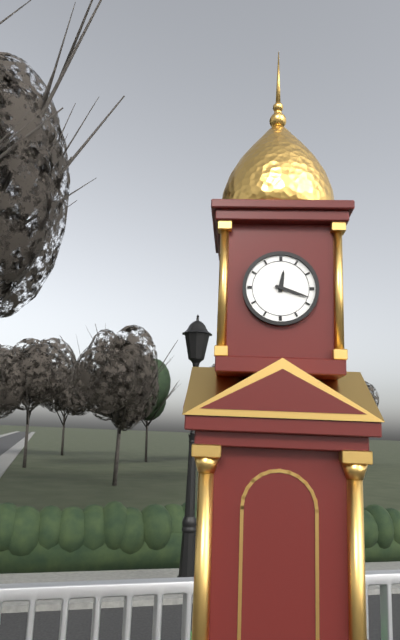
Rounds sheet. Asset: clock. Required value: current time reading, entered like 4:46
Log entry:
12:18
